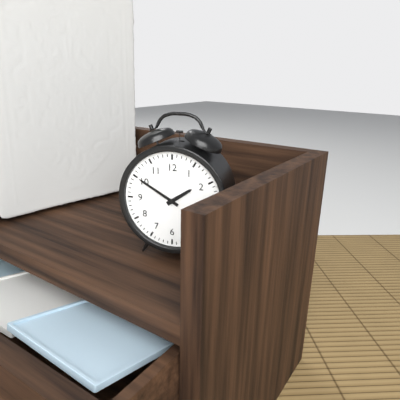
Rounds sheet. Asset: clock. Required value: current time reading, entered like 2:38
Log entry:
1:50
